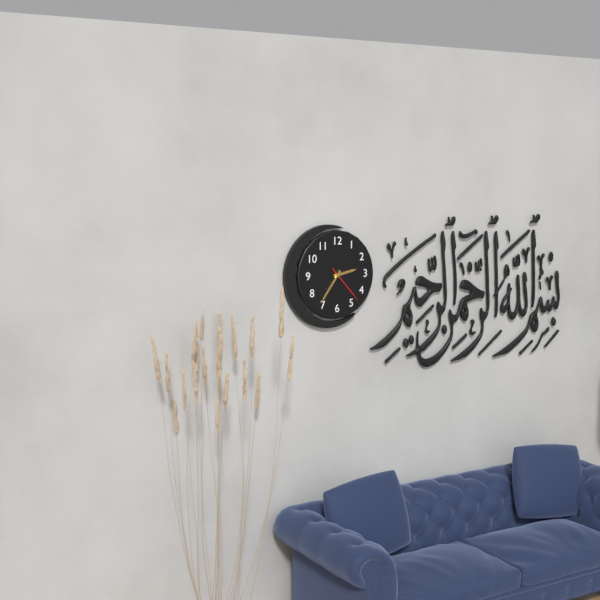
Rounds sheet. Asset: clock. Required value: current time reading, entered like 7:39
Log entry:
2:36
